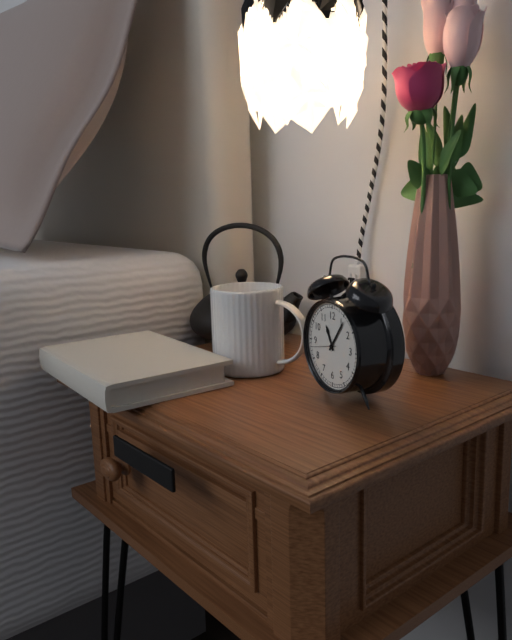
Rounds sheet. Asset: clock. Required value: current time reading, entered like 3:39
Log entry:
11:06
